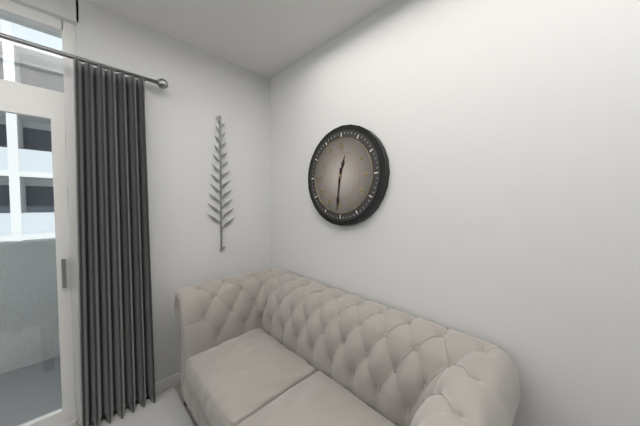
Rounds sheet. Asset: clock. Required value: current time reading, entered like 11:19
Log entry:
12:31
